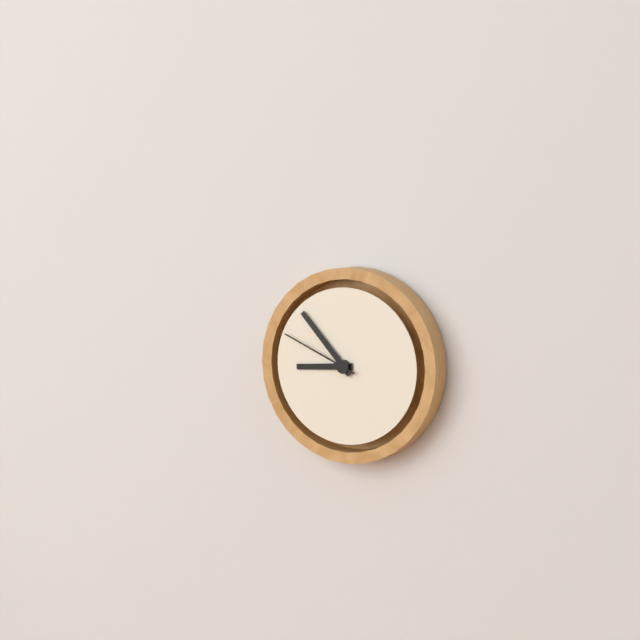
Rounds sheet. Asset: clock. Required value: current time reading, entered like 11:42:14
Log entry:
8:53:49
